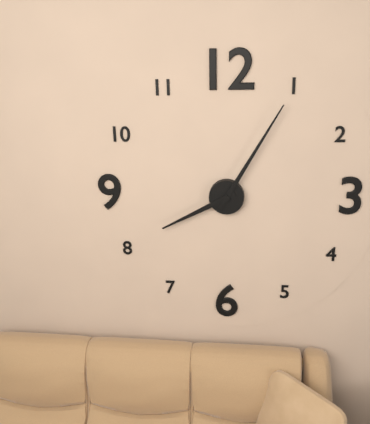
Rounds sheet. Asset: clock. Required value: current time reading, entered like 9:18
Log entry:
8:05
